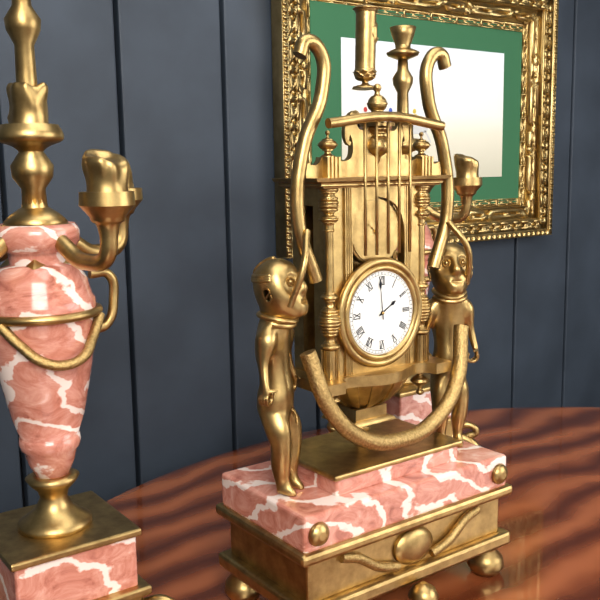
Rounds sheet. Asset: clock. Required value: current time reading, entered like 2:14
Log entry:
1:59
